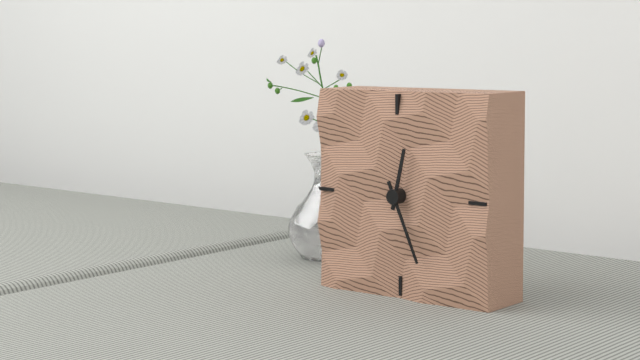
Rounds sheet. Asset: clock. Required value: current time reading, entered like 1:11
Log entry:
12:26
